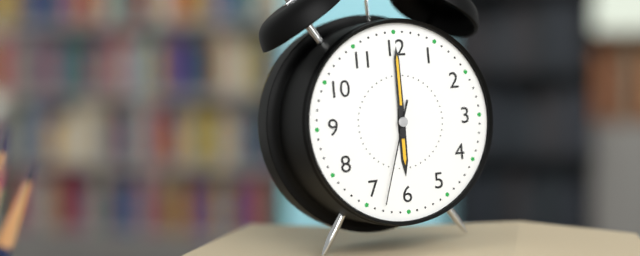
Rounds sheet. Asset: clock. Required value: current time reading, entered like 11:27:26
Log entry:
6:00:33
